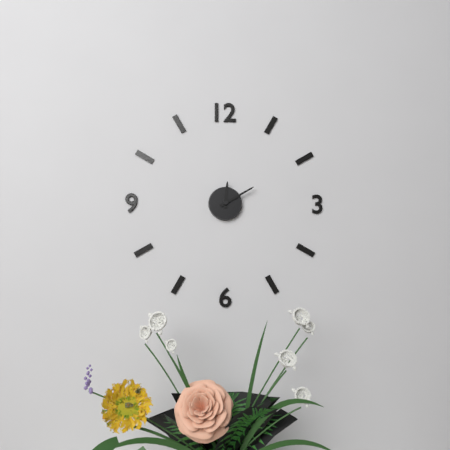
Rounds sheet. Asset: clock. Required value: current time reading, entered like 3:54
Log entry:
12:10
